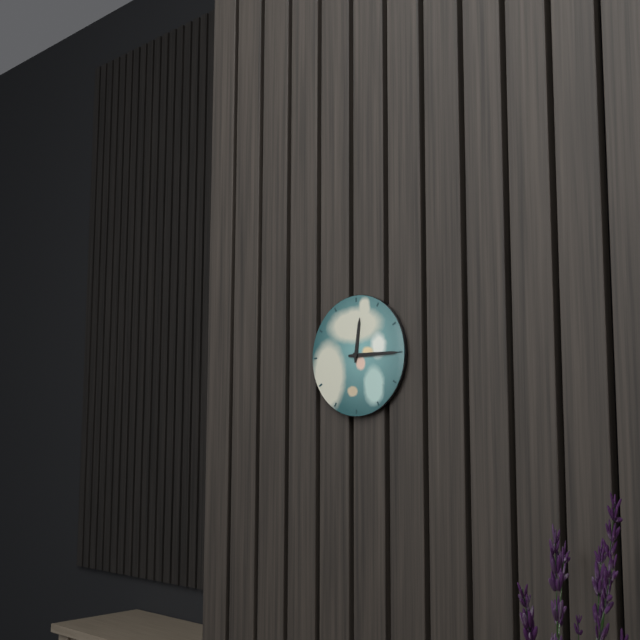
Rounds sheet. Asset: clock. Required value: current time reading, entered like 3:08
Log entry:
12:15
